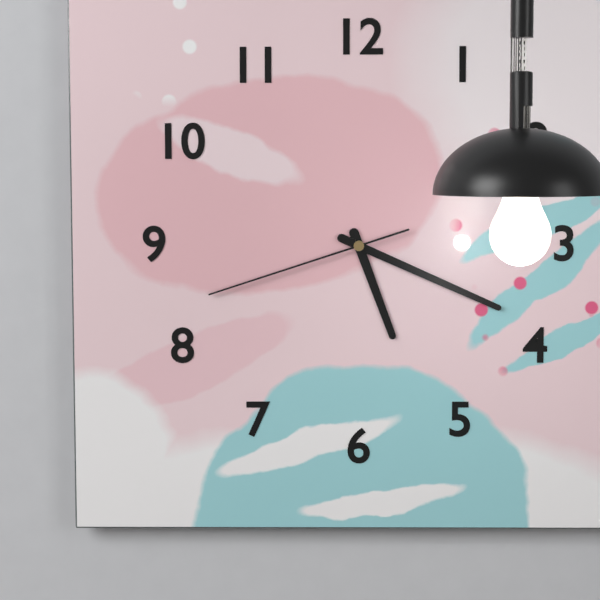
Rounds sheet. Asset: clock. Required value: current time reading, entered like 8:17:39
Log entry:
5:19:42
